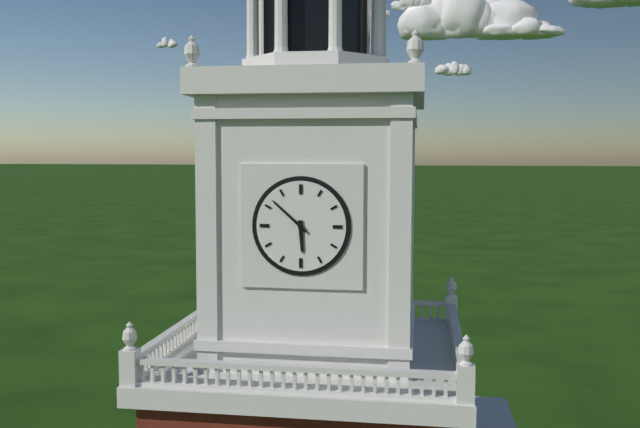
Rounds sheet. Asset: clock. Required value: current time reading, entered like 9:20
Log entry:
5:52
